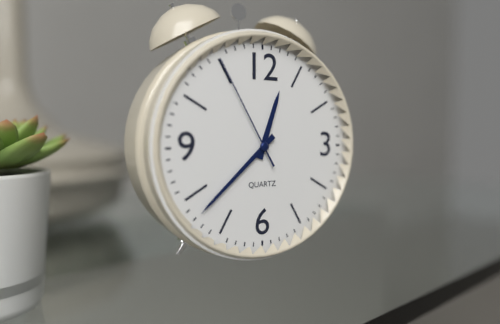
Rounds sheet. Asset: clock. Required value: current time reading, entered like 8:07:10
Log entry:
12:38:55
